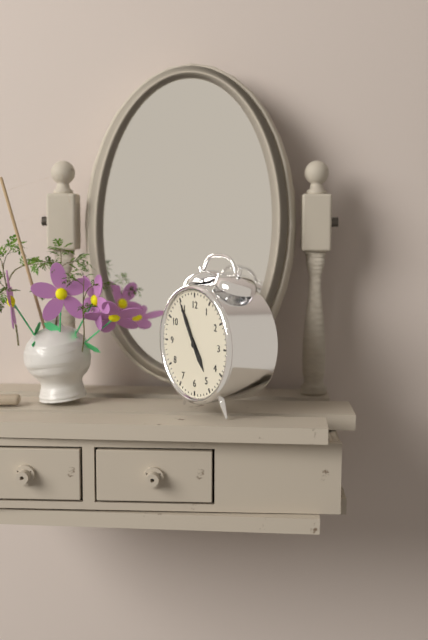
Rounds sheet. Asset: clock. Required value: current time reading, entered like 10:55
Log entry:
4:55
